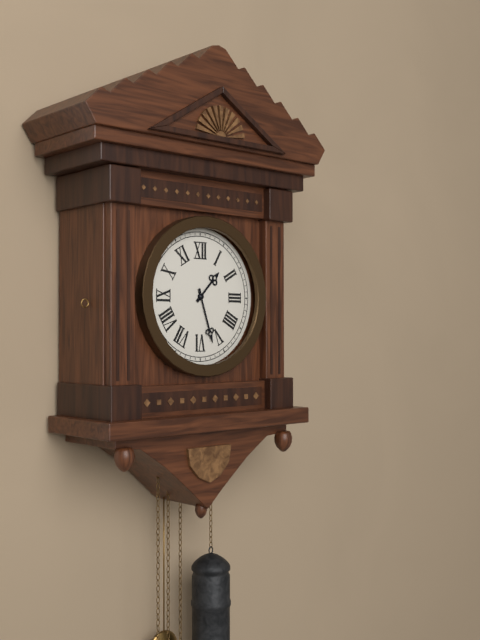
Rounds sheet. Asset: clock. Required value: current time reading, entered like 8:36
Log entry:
1:27
